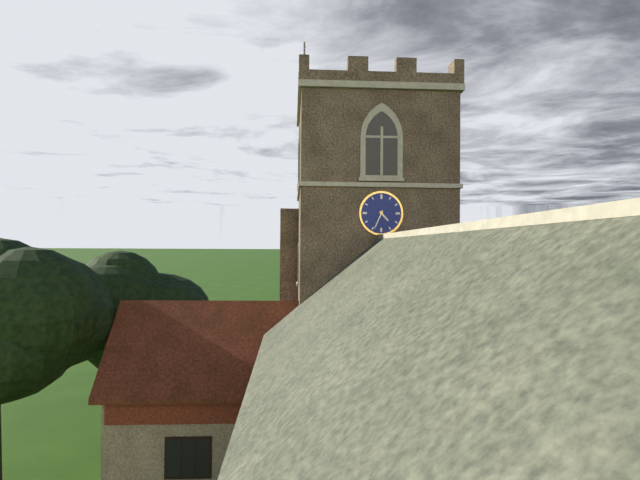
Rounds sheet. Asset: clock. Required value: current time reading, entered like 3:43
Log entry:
4:34
